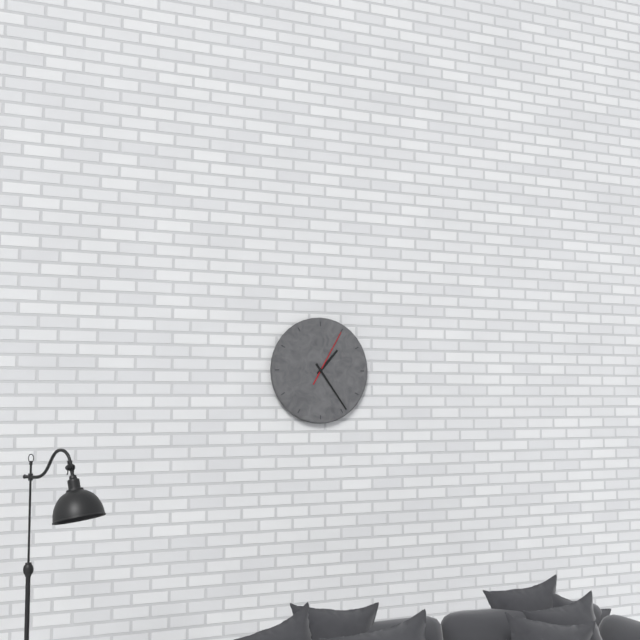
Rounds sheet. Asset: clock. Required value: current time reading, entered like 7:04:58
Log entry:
1:24:05
